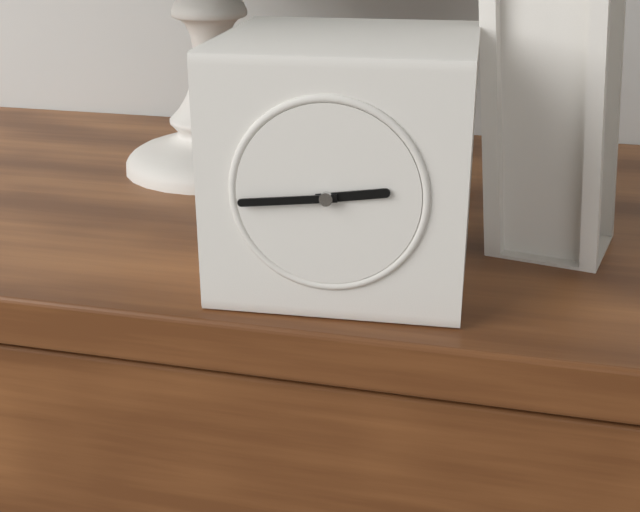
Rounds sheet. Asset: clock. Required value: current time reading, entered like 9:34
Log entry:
2:44
